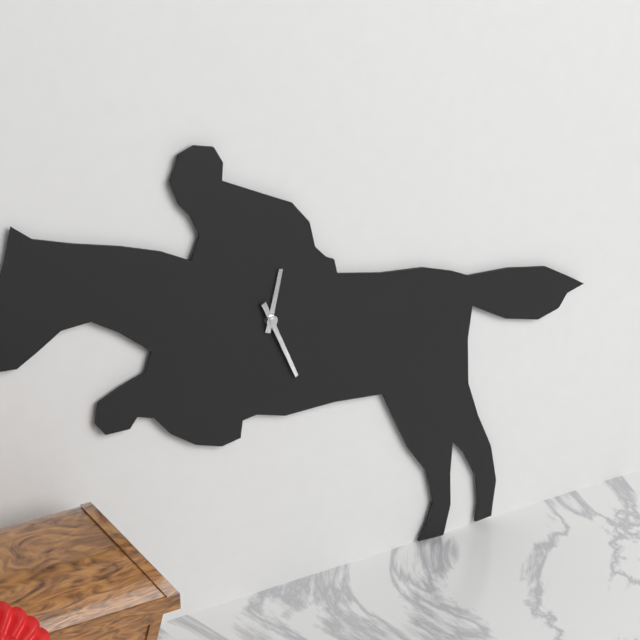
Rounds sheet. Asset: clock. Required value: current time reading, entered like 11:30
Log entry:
12:26
